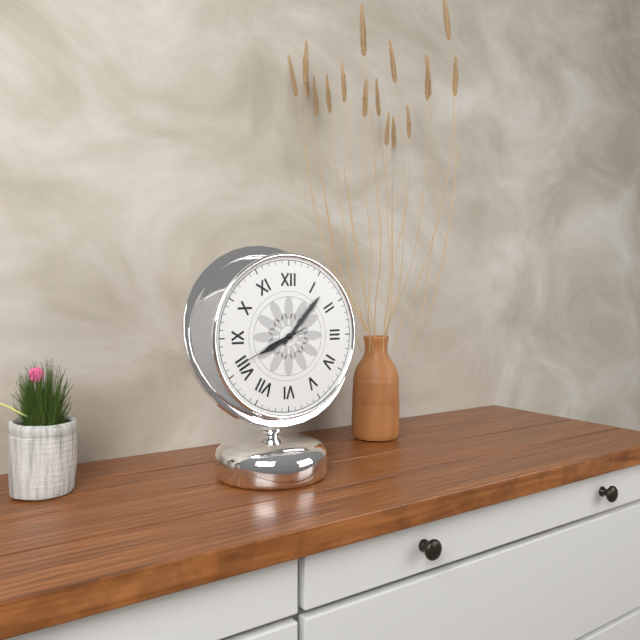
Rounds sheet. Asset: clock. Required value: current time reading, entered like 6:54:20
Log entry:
8:07:41
